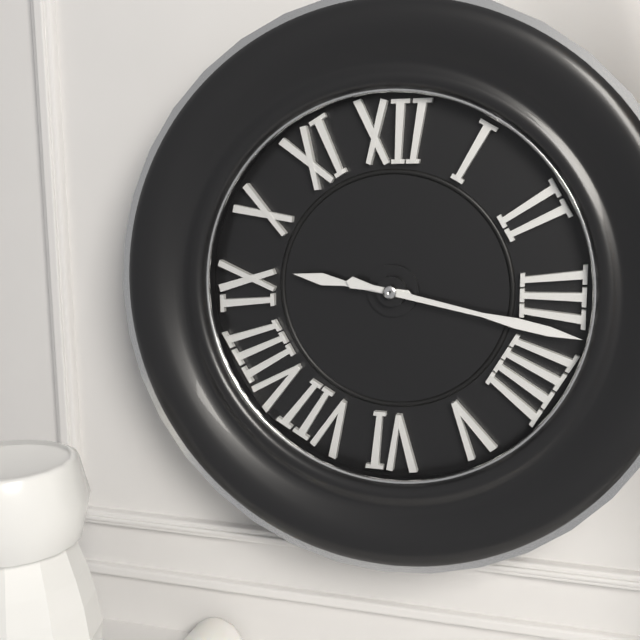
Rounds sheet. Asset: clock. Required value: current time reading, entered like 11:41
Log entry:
9:17
